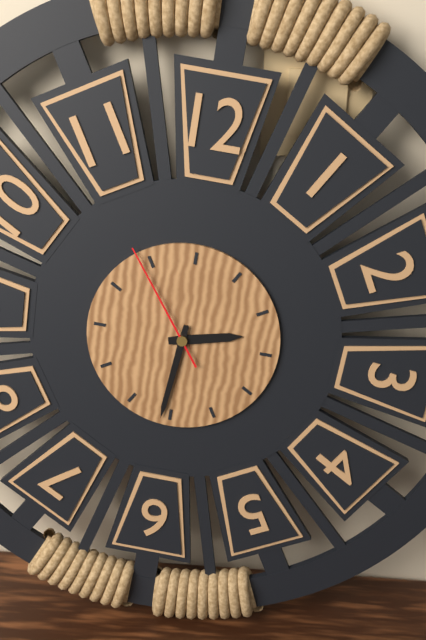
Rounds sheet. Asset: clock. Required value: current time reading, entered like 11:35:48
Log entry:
2:31:54
